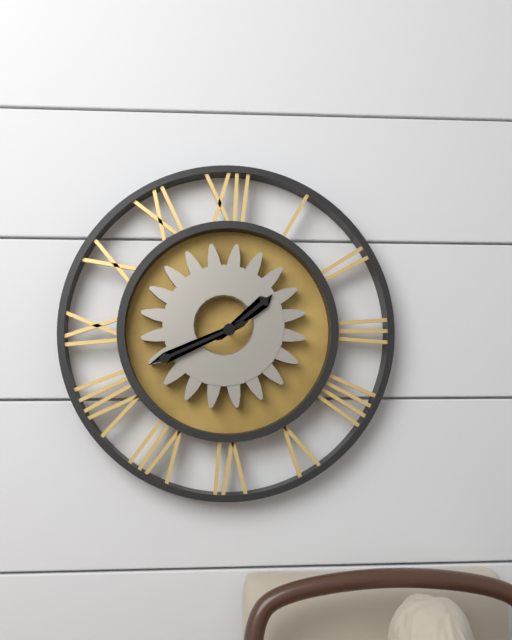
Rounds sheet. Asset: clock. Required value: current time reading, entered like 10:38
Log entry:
1:41
